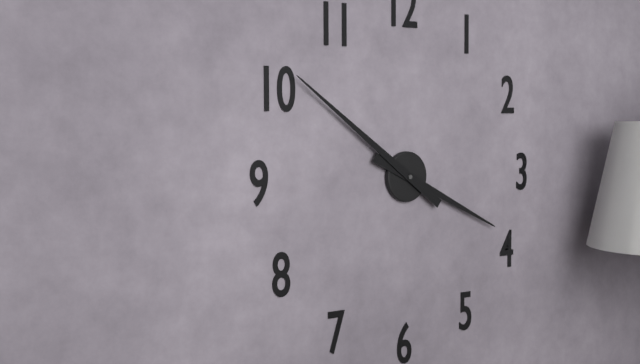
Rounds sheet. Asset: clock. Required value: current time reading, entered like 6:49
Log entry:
3:51
